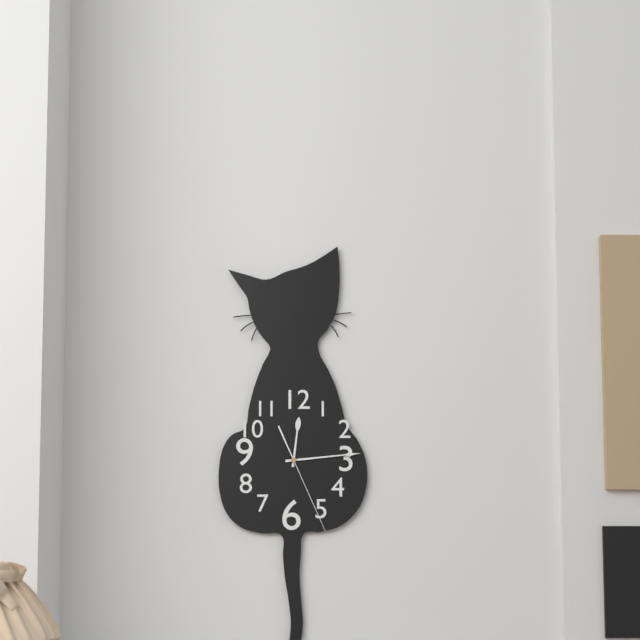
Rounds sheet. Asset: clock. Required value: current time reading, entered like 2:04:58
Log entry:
12:14:26
